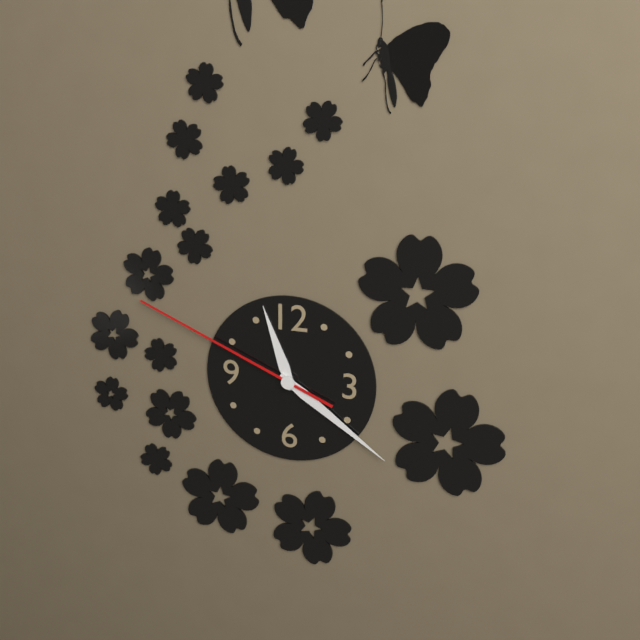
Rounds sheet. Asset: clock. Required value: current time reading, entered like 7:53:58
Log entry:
11:21:49
